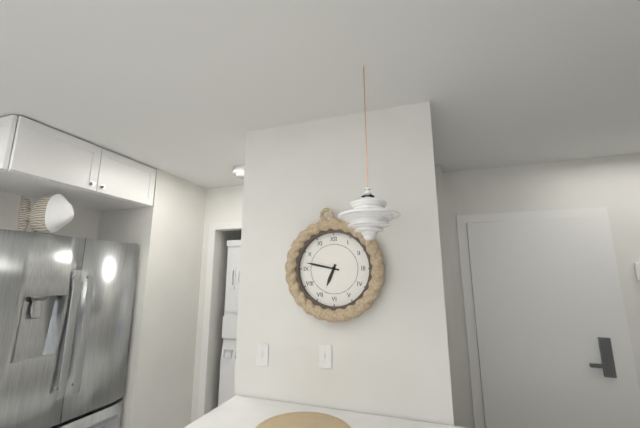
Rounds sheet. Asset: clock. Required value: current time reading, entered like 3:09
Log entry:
6:47
